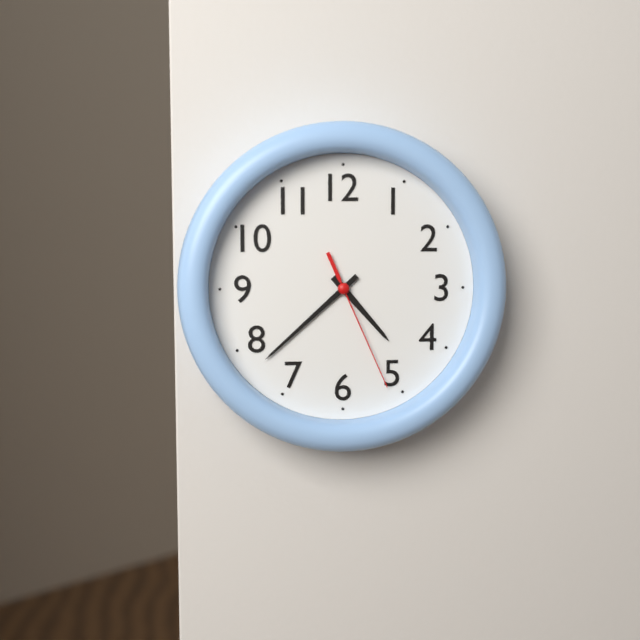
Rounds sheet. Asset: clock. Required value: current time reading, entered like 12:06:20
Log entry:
4:38:26
